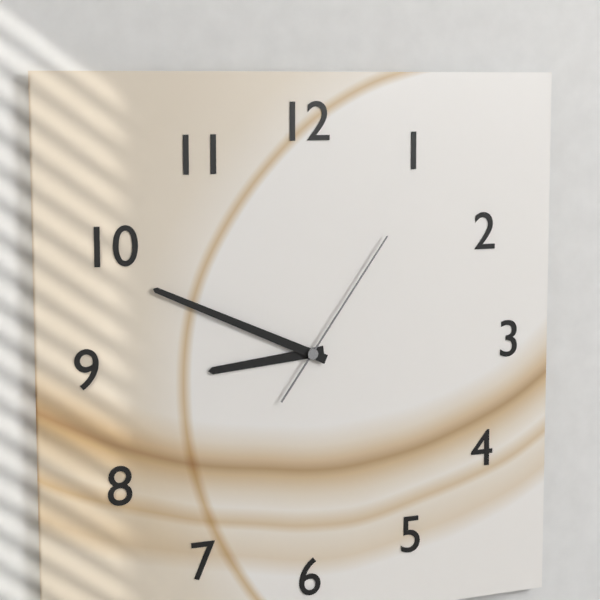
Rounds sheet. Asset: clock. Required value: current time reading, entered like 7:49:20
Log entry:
8:49:06
